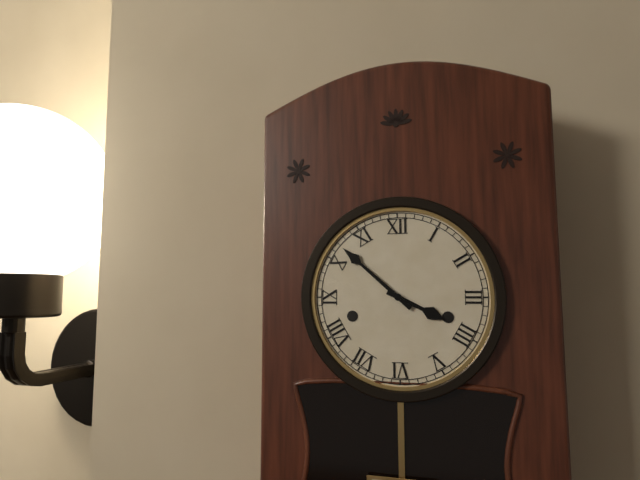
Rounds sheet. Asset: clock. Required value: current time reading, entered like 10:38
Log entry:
3:52
